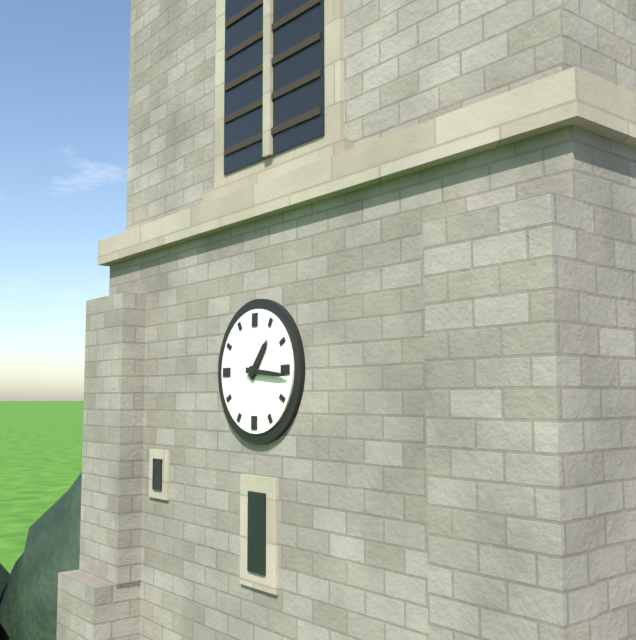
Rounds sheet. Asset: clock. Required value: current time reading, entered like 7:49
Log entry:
1:16
